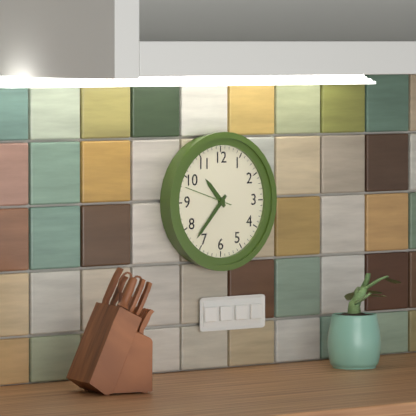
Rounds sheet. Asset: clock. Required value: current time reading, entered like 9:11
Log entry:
10:37
